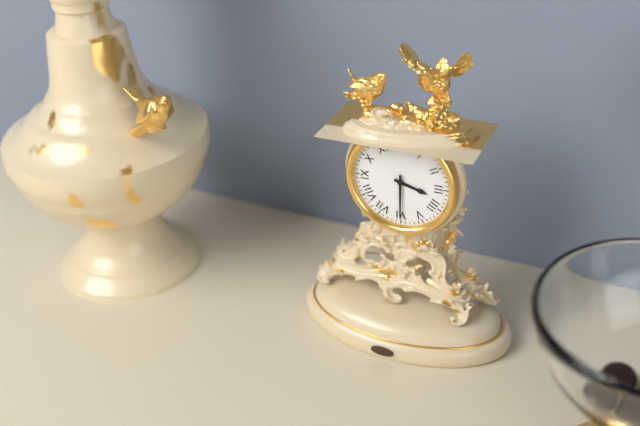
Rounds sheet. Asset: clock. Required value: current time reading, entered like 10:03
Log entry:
3:30
